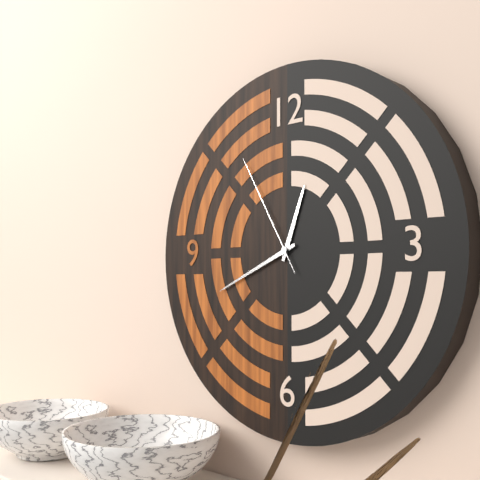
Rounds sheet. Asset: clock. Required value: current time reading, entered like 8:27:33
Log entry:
12:41:55
